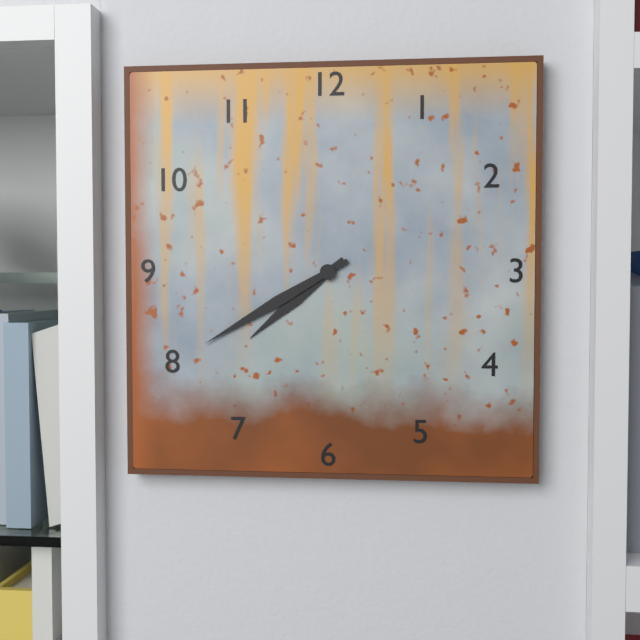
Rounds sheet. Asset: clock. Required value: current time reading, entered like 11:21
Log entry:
7:40
